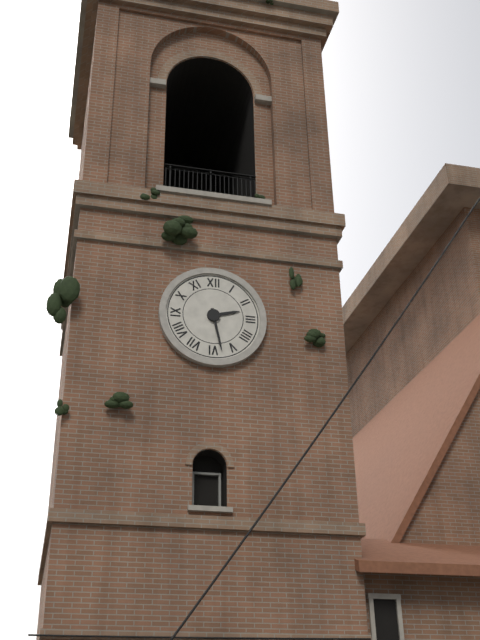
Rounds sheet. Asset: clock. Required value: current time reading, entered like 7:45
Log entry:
2:28
